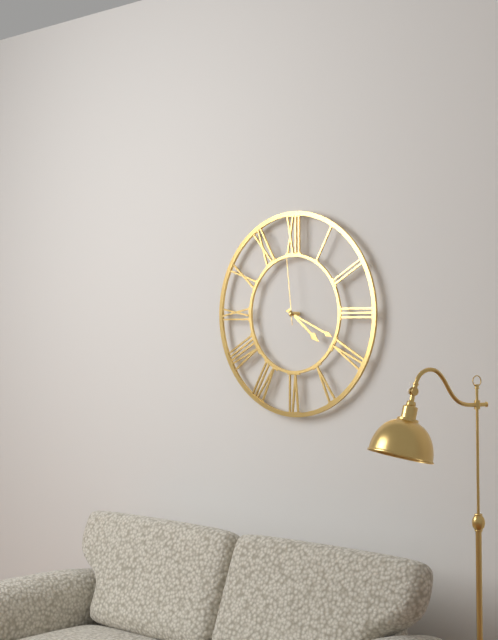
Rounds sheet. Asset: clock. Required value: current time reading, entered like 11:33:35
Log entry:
4:19:59
